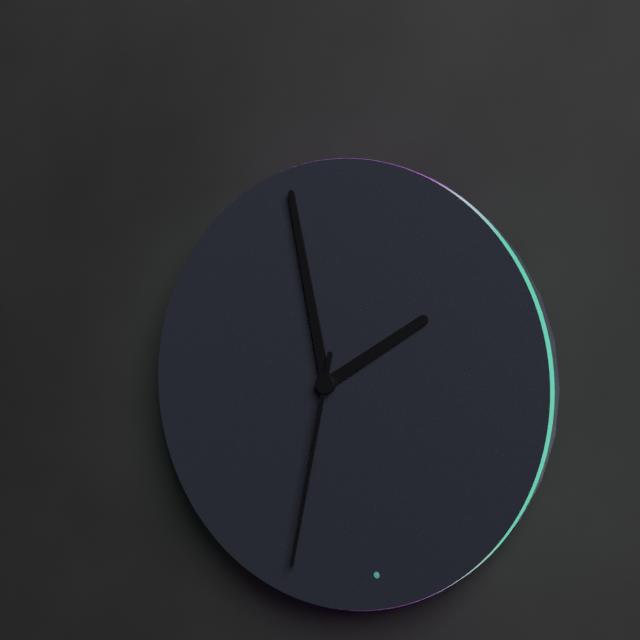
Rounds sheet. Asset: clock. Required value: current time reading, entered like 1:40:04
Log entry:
1:58:32
